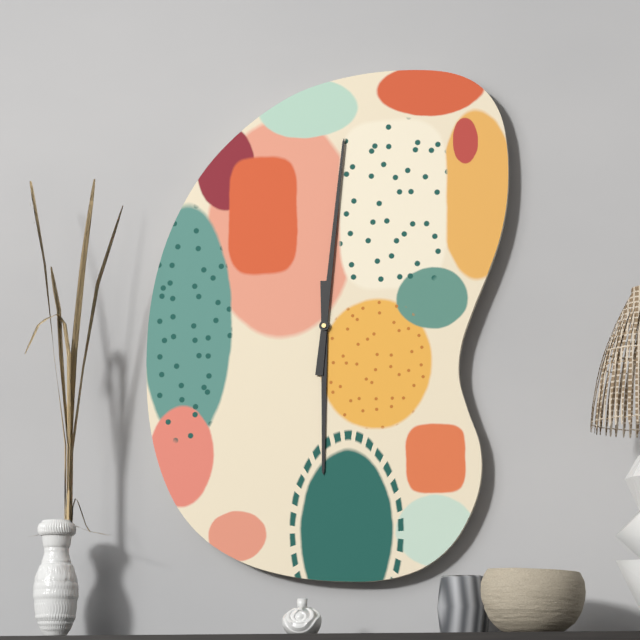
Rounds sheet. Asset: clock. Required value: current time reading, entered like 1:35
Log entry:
6:01
